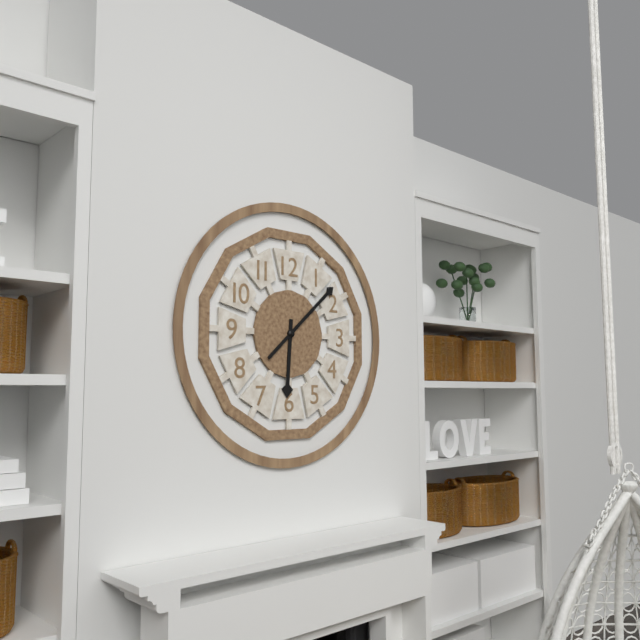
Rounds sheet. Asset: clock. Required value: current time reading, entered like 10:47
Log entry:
6:08
